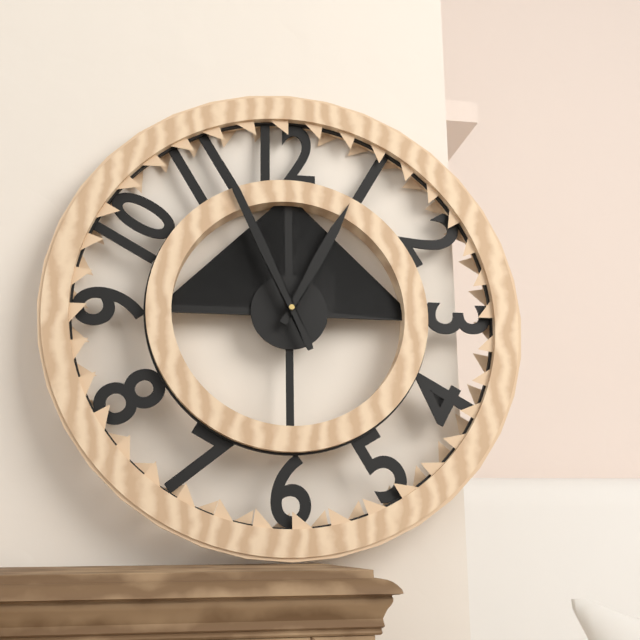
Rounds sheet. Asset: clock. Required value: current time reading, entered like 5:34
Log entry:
12:56
